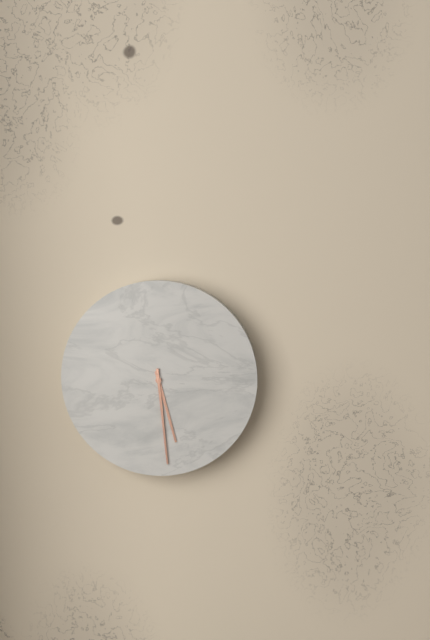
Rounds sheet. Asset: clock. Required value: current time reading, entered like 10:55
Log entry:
5:29
